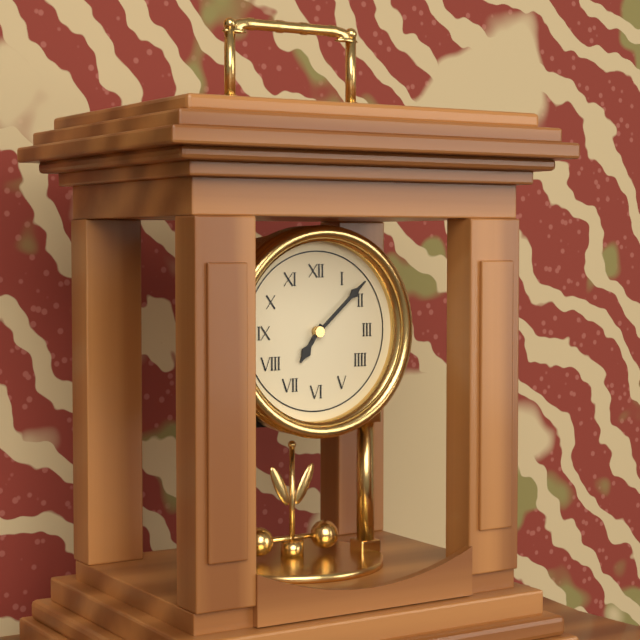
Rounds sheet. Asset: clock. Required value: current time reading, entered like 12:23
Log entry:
7:08
